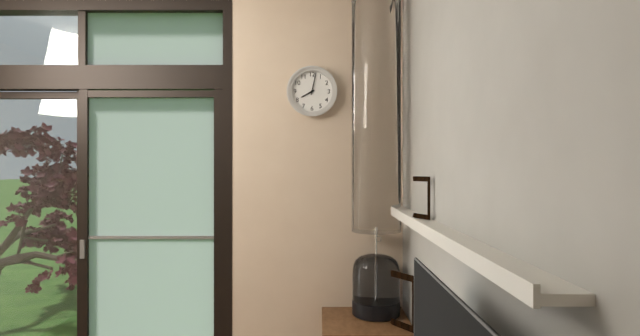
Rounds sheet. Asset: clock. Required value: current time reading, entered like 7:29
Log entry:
8:02
